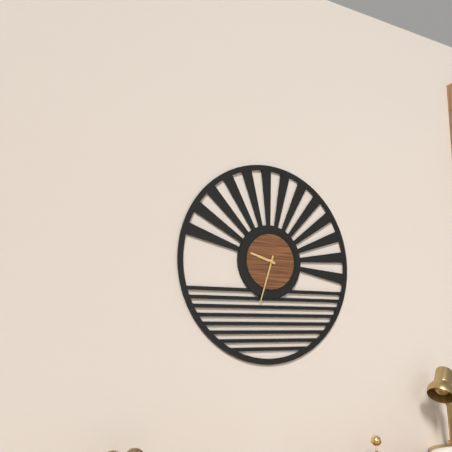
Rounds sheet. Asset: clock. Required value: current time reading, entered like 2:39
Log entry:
9:33
